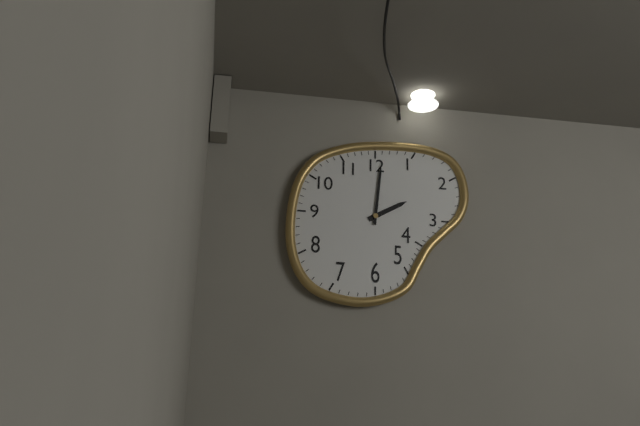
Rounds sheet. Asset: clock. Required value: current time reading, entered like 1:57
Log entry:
2:01
